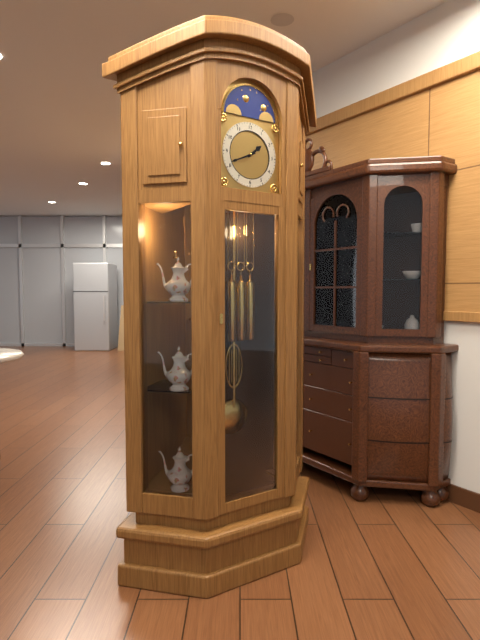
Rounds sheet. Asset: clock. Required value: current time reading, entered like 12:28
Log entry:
1:41
